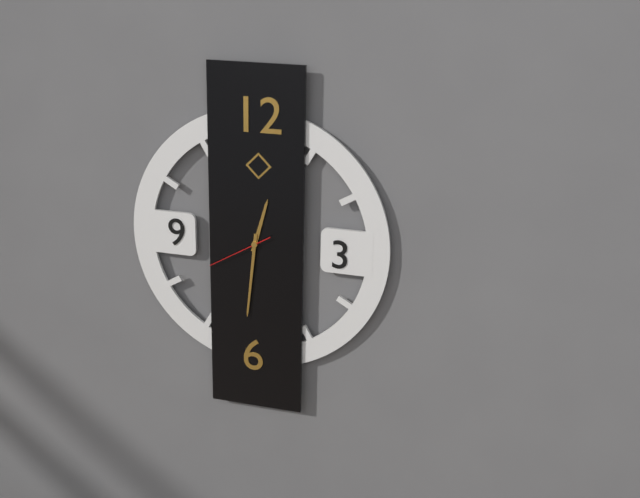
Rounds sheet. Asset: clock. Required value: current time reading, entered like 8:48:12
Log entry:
12:31:40
